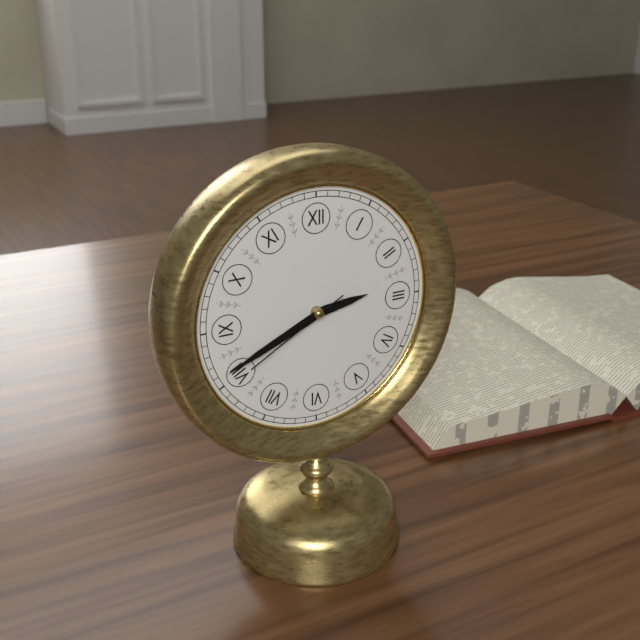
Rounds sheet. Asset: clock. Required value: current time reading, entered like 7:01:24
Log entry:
2:41:40
